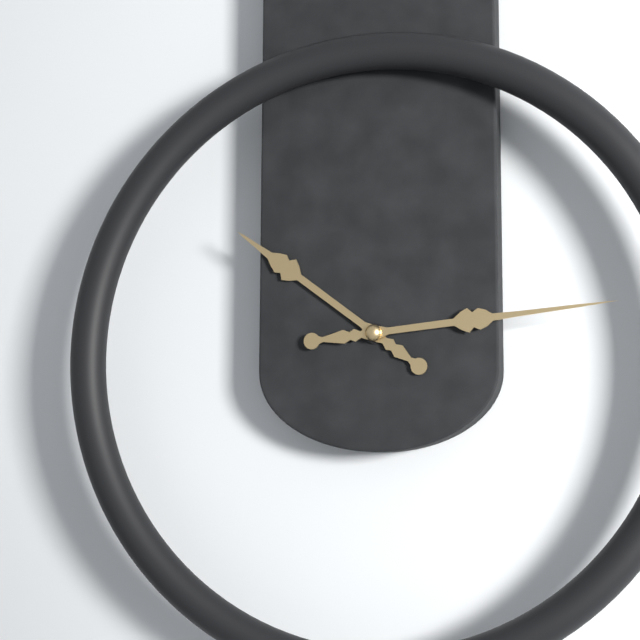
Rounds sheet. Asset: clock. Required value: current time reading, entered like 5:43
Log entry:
10:14
